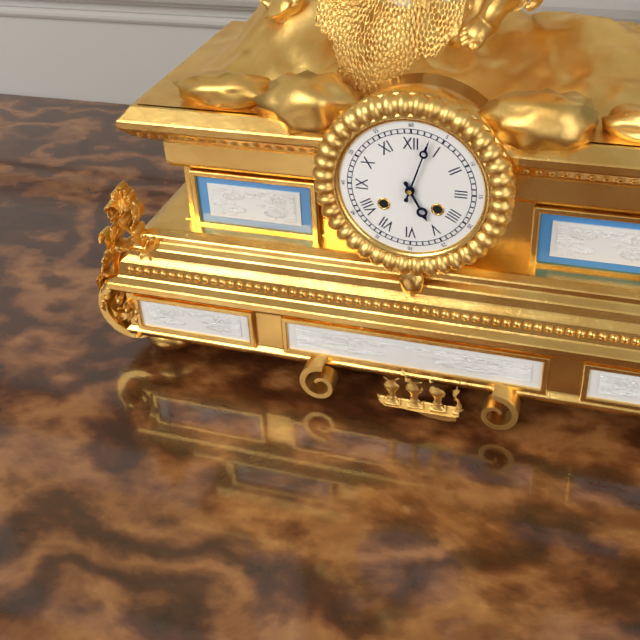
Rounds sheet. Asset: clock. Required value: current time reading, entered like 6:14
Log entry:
5:03
